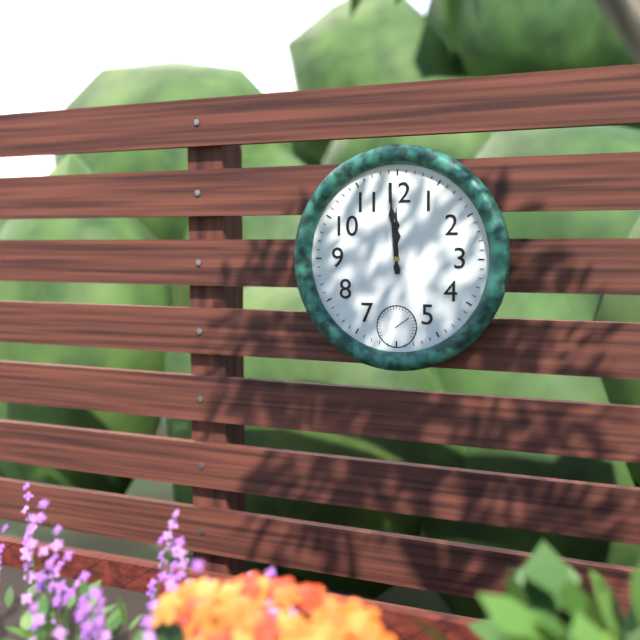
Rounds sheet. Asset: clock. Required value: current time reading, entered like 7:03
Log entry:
11:59
